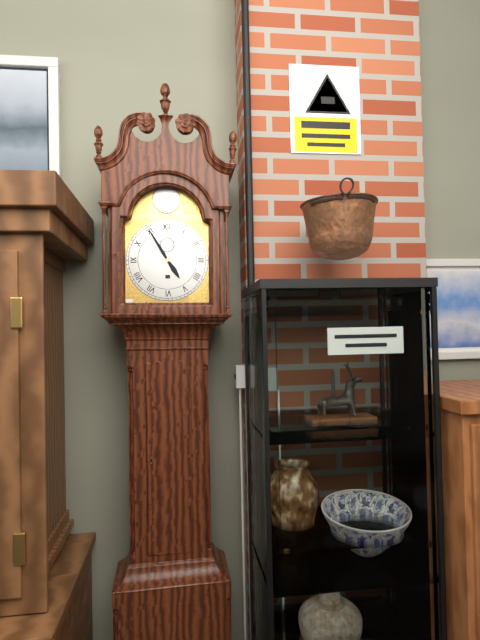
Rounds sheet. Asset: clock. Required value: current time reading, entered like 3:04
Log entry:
4:55
